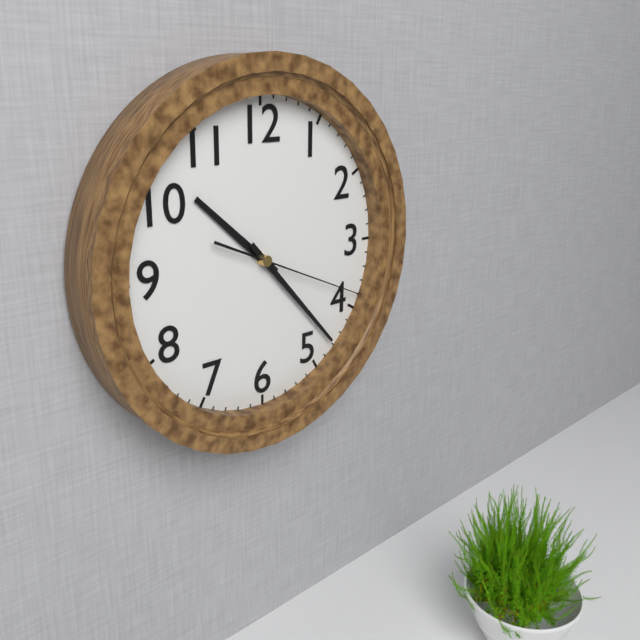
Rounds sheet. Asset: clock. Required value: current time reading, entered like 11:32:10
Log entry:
10:23:19
